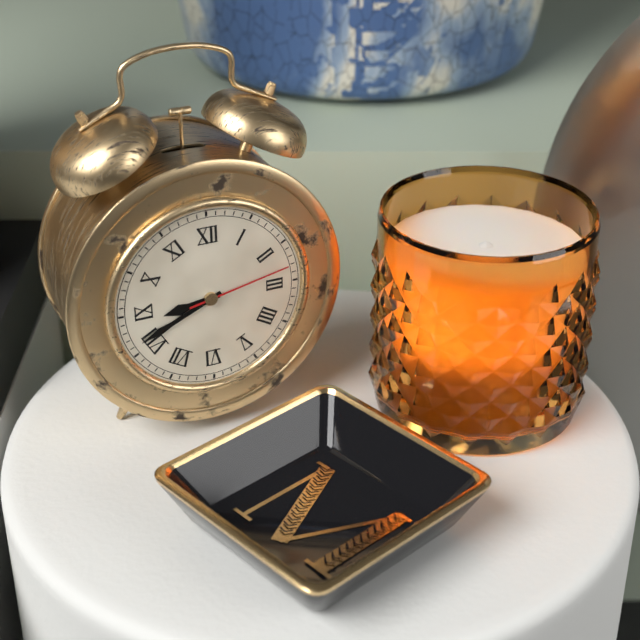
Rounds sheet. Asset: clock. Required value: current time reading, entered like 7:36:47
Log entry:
8:41:13
